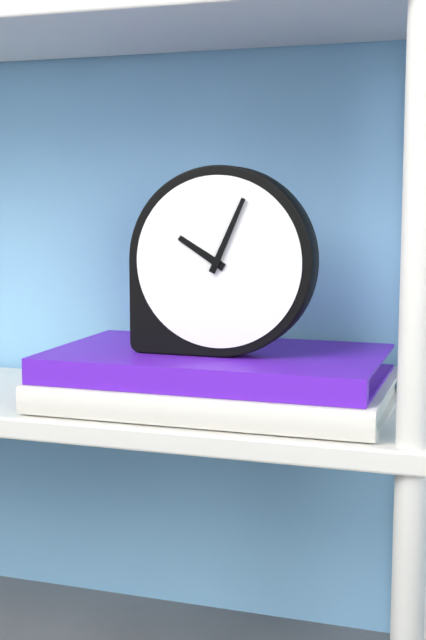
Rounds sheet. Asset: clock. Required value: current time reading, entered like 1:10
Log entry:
10:04
